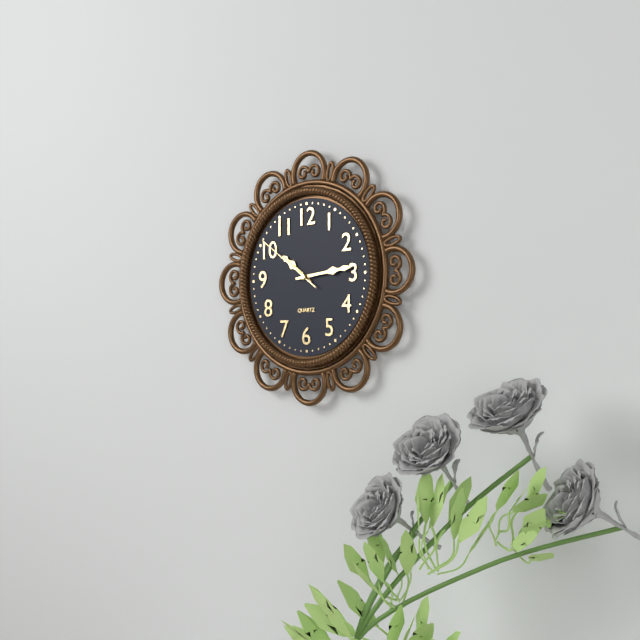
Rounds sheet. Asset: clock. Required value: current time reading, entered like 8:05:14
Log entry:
10:14:51
